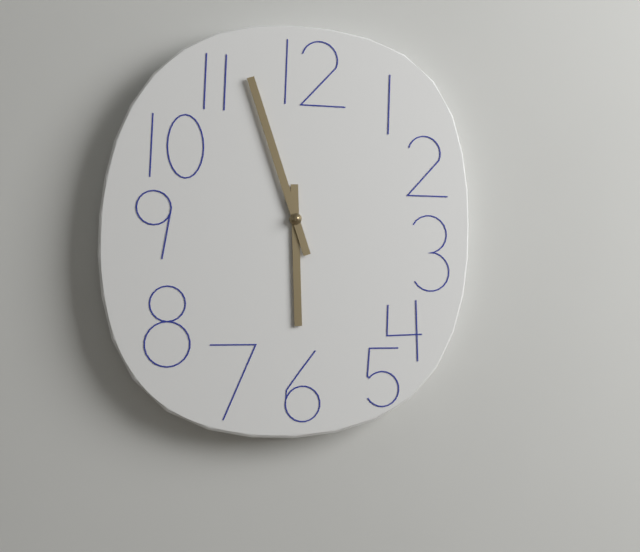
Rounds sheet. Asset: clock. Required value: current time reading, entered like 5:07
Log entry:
5:57
